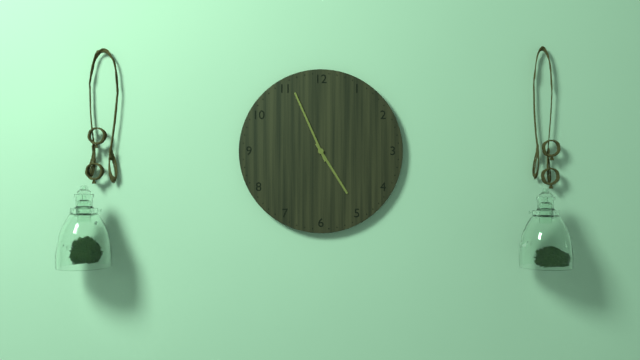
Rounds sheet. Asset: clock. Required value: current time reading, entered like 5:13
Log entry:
4:56
